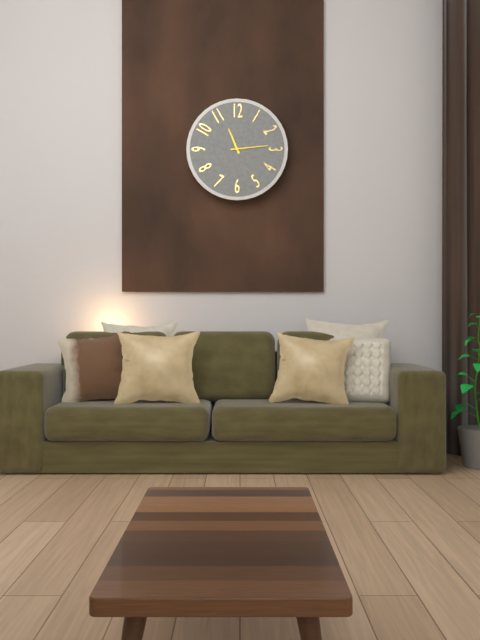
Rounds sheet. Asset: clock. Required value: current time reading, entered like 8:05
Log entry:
11:14
